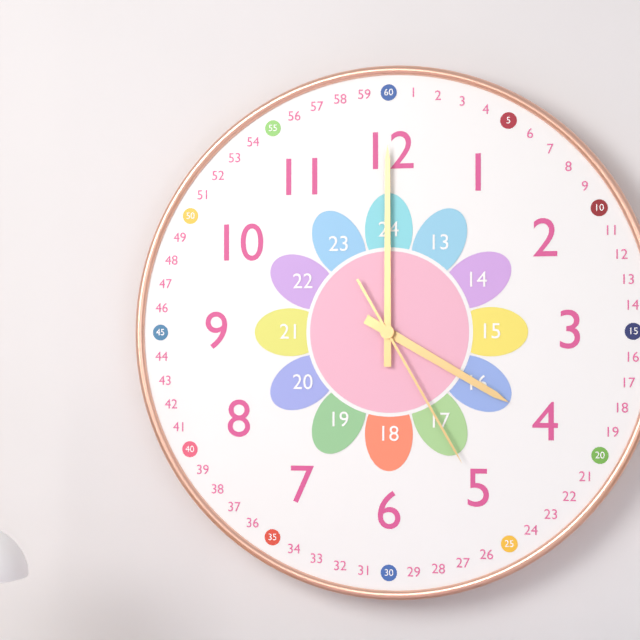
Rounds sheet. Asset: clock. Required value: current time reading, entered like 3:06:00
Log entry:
4:00:25
